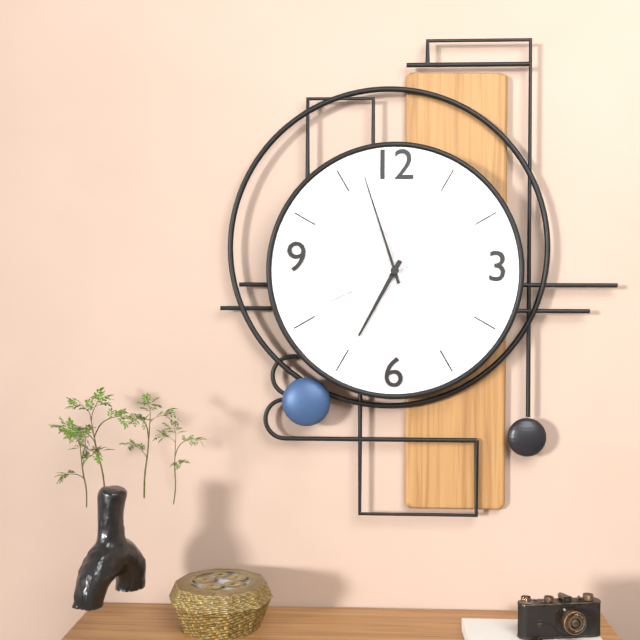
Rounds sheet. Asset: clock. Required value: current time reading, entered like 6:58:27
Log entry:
6:57:41
